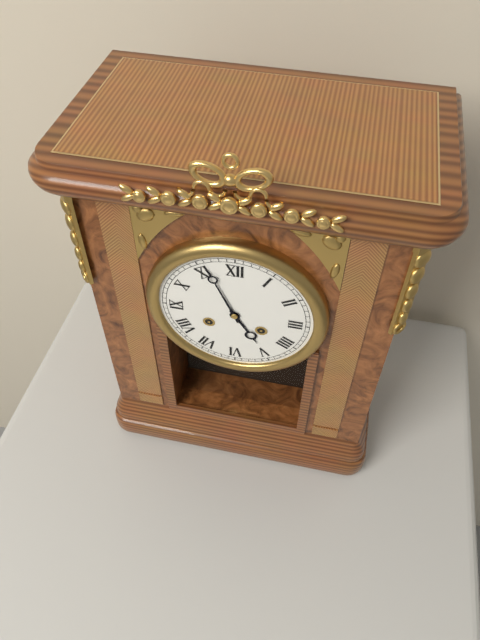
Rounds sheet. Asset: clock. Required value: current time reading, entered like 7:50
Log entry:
4:56
